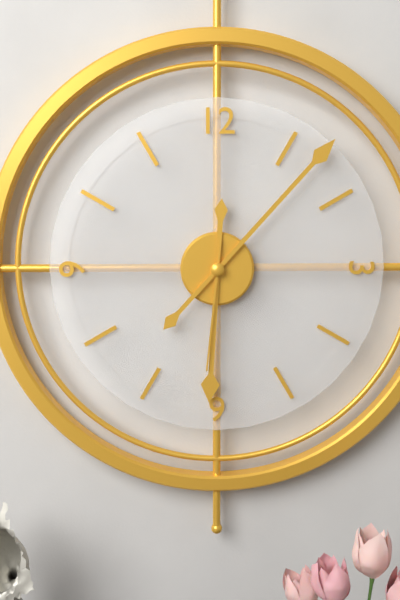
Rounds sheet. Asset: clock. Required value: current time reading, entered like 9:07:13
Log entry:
6:07:31
